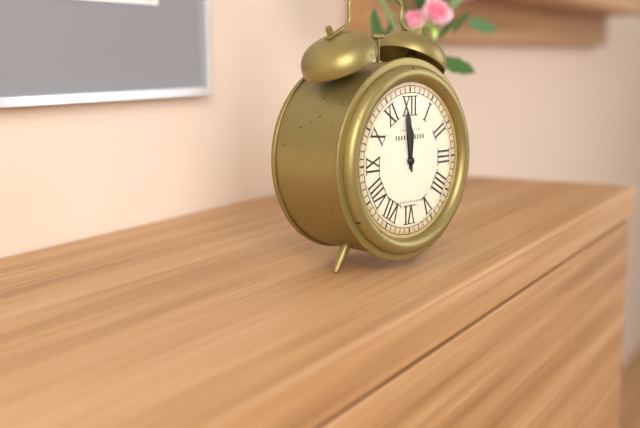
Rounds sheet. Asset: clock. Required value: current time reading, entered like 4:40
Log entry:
11:59
